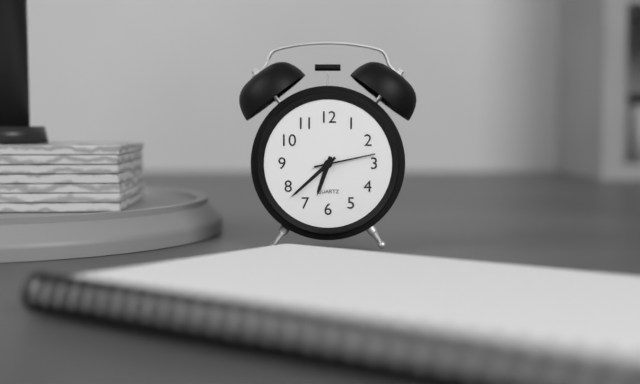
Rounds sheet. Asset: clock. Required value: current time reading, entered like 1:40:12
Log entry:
6:38:13
